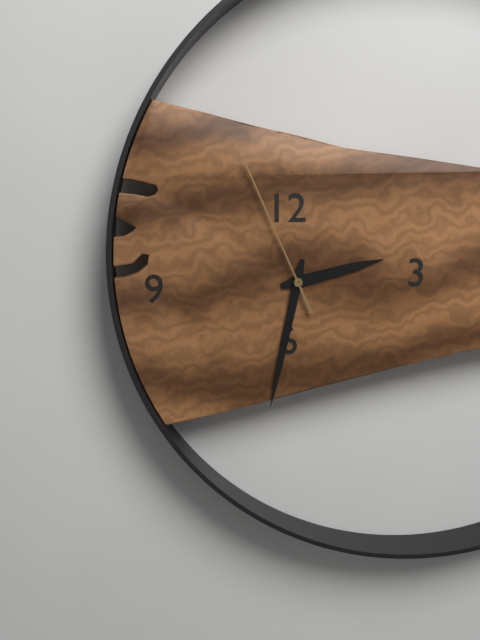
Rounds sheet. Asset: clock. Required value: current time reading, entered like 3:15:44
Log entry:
2:32:56
